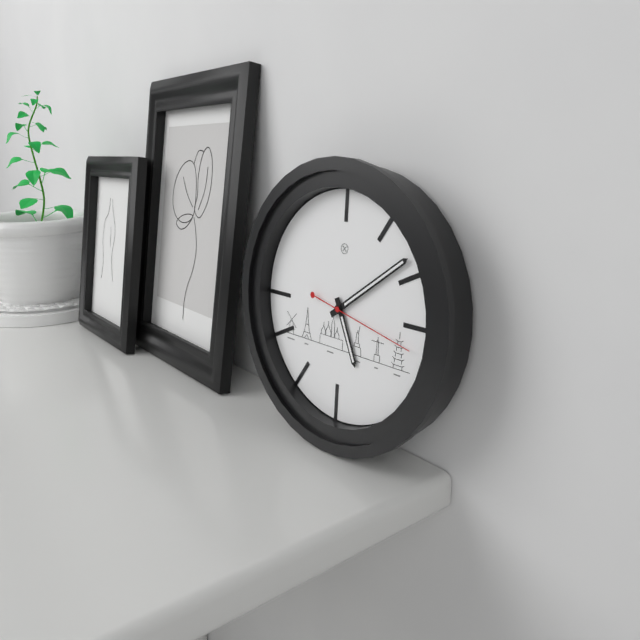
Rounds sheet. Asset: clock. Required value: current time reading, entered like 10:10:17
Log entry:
5:09:17
